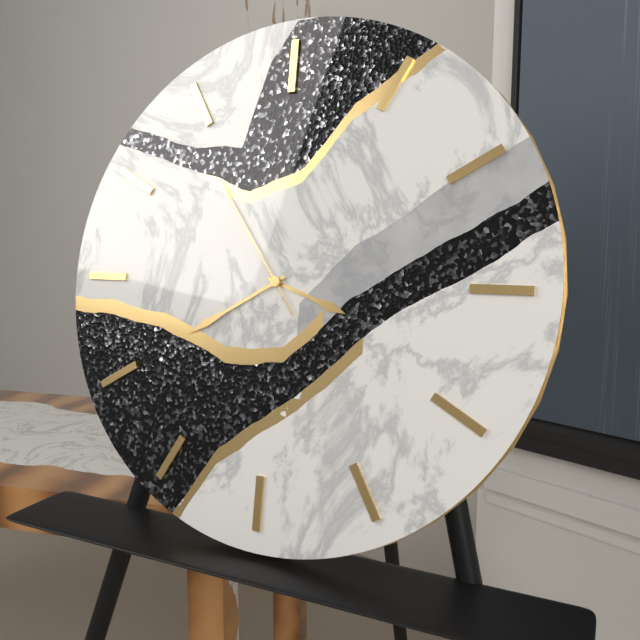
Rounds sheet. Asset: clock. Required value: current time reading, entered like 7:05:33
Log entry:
3:40:54
